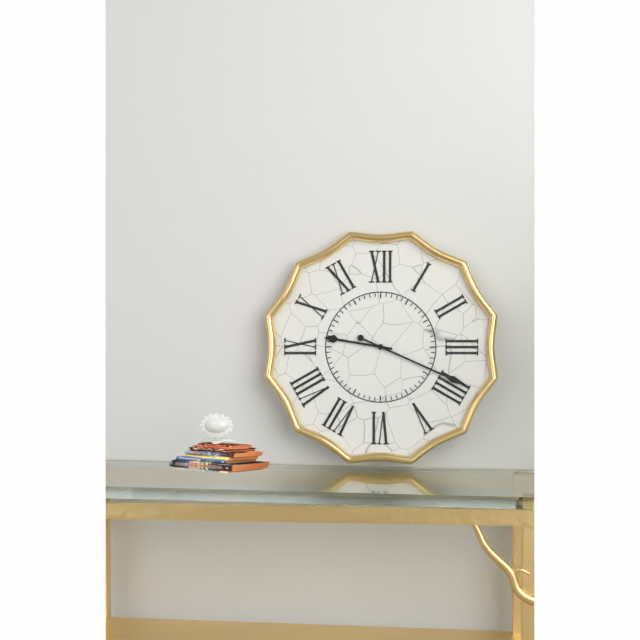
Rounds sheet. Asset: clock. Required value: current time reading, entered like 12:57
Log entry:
9:19
